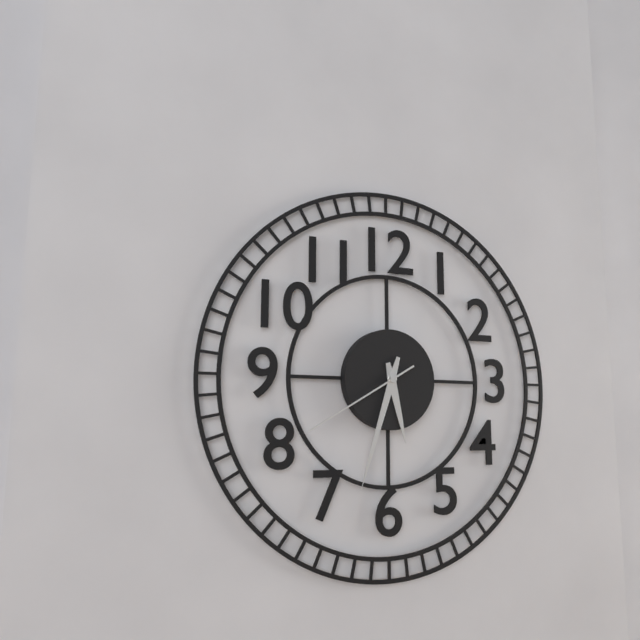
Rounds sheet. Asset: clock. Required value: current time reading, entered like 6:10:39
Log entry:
5:33:40
